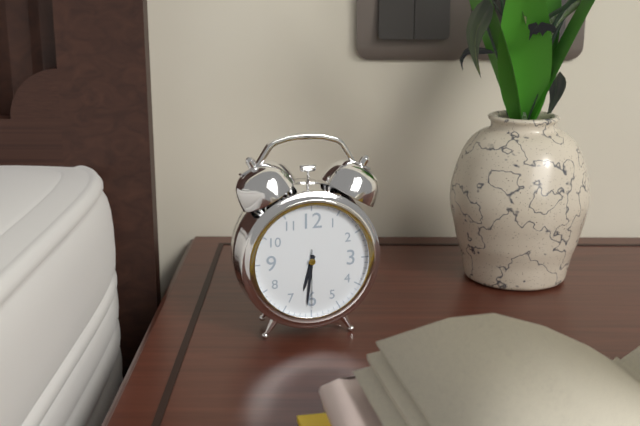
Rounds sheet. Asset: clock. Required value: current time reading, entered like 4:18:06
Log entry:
6:31:30
